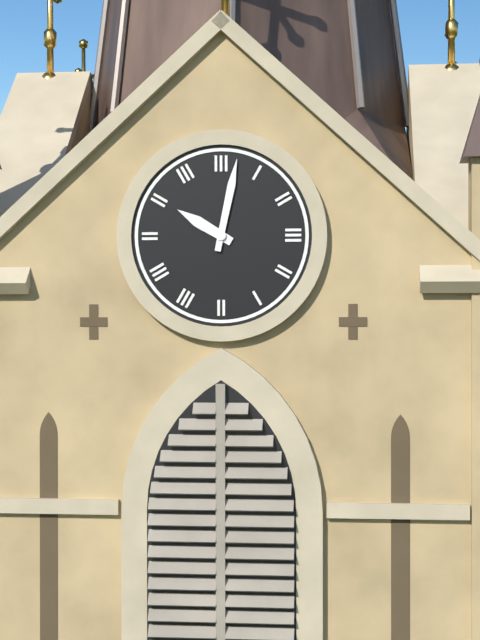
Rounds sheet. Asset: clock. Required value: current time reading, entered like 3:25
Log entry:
10:02
